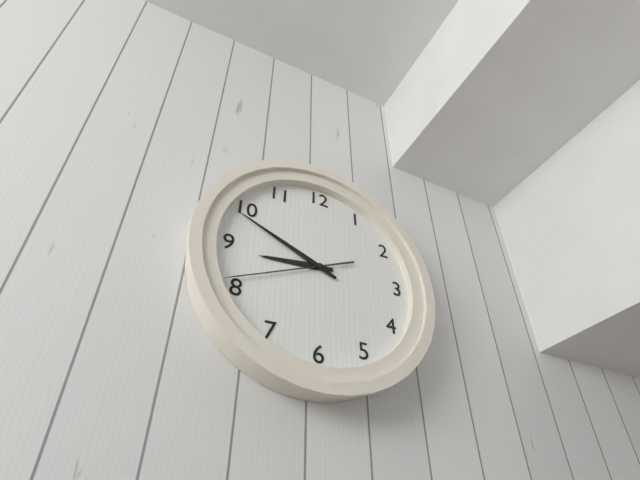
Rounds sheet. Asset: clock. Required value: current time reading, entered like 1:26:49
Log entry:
8:49:41
